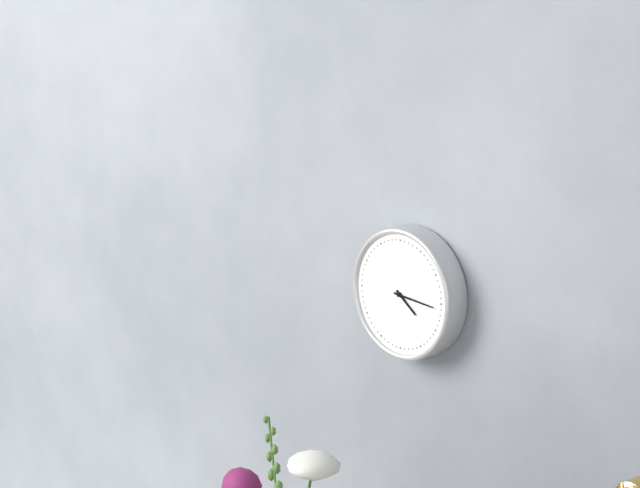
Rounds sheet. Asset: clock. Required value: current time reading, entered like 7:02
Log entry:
4:16
